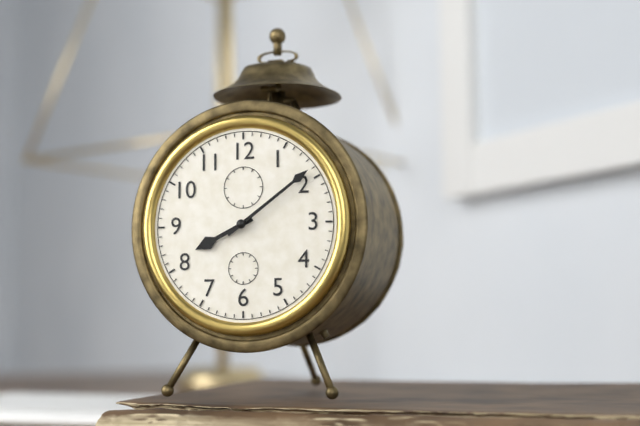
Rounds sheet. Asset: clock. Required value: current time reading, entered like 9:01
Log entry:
8:09
